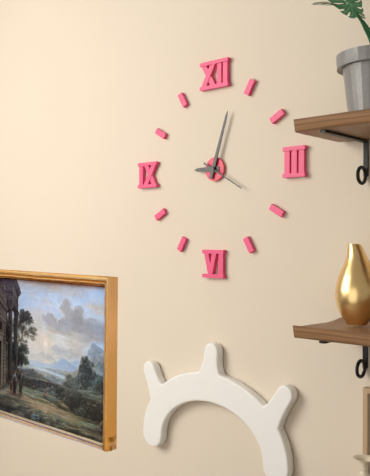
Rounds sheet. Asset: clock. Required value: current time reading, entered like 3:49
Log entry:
9:03
